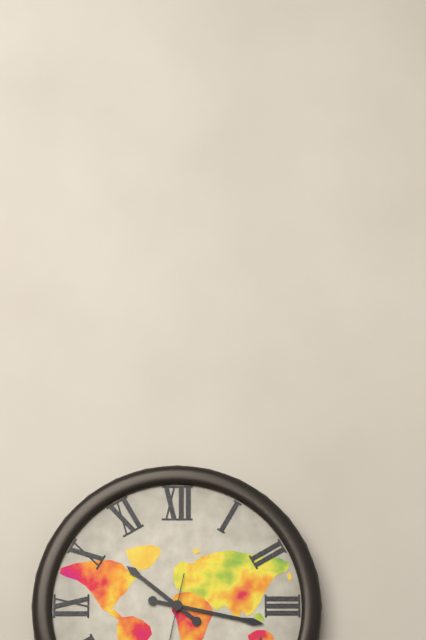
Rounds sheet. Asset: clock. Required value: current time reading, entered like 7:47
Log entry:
10:17
